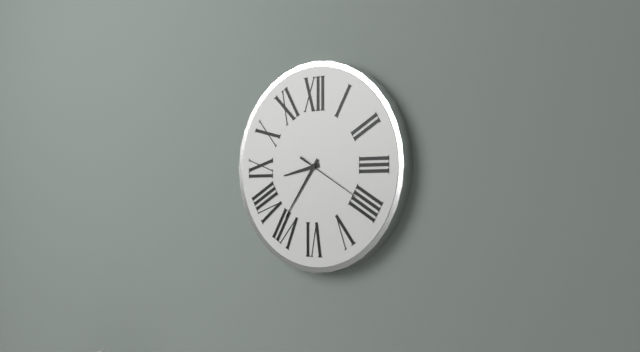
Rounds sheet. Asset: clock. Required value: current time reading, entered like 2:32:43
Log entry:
8:36:20
